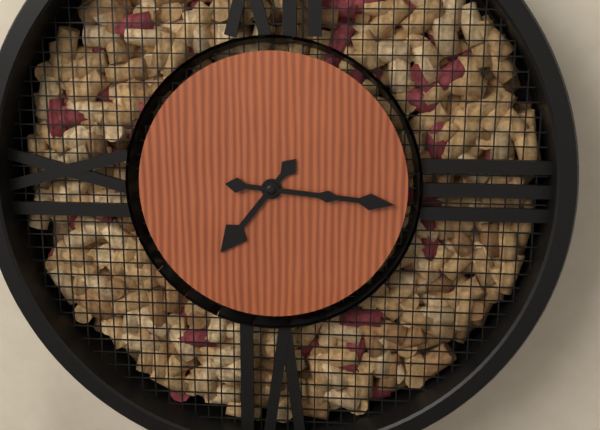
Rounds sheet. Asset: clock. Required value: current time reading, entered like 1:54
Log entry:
7:16
